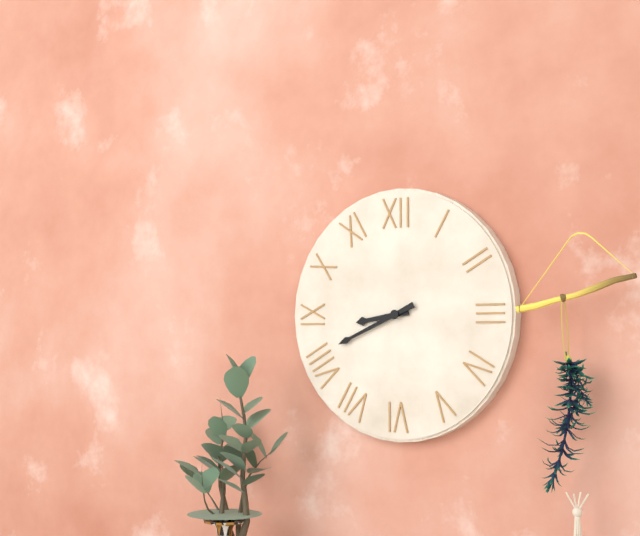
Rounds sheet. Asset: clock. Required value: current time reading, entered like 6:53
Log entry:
8:41
